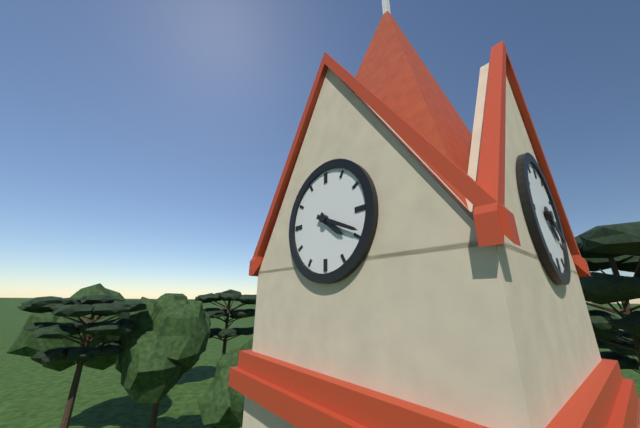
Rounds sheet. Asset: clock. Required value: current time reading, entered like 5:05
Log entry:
4:19
